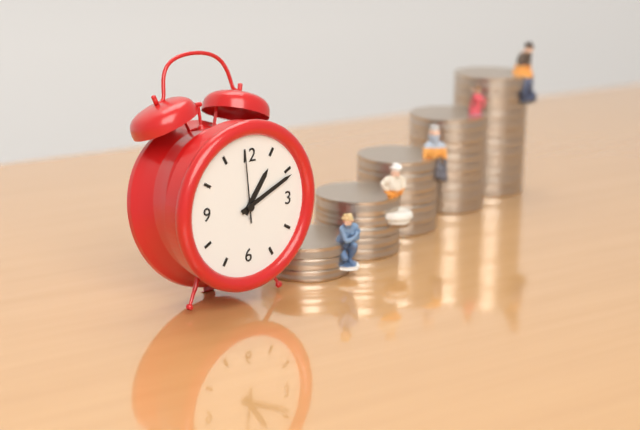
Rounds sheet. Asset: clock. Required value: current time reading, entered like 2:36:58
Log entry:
1:11:59
